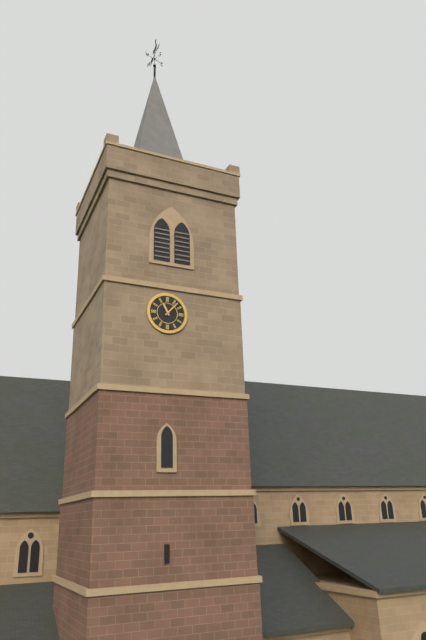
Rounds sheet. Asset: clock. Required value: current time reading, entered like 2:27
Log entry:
11:07
